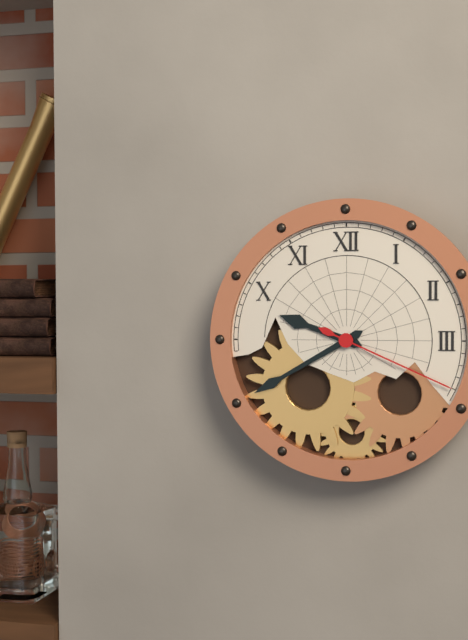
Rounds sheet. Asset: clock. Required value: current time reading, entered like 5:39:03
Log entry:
9:40:19
